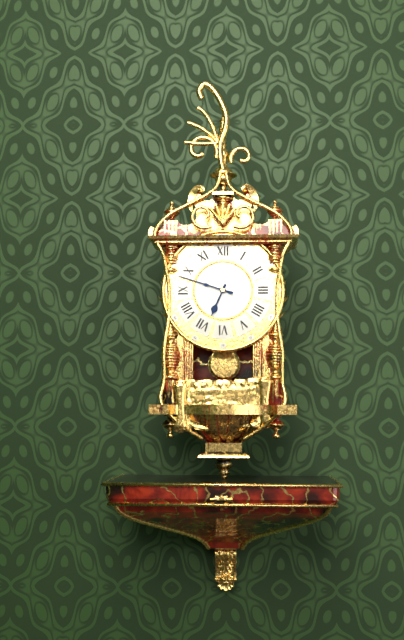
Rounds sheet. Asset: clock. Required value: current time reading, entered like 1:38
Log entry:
6:48
